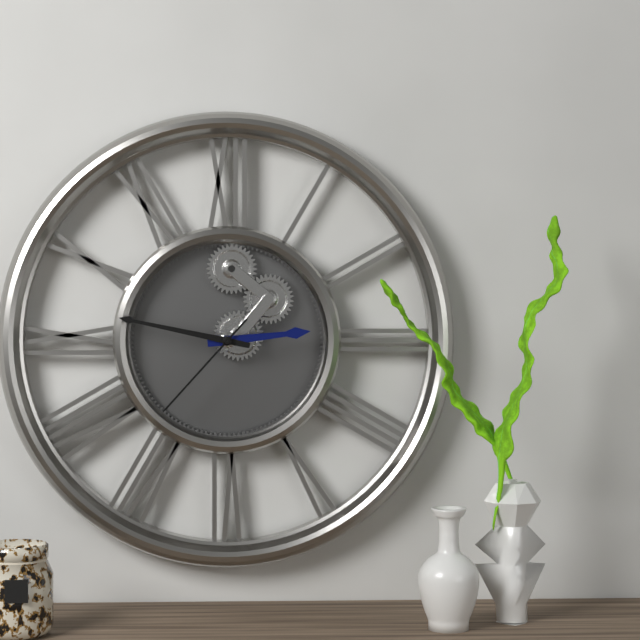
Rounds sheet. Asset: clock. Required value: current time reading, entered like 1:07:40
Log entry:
2:47:37
